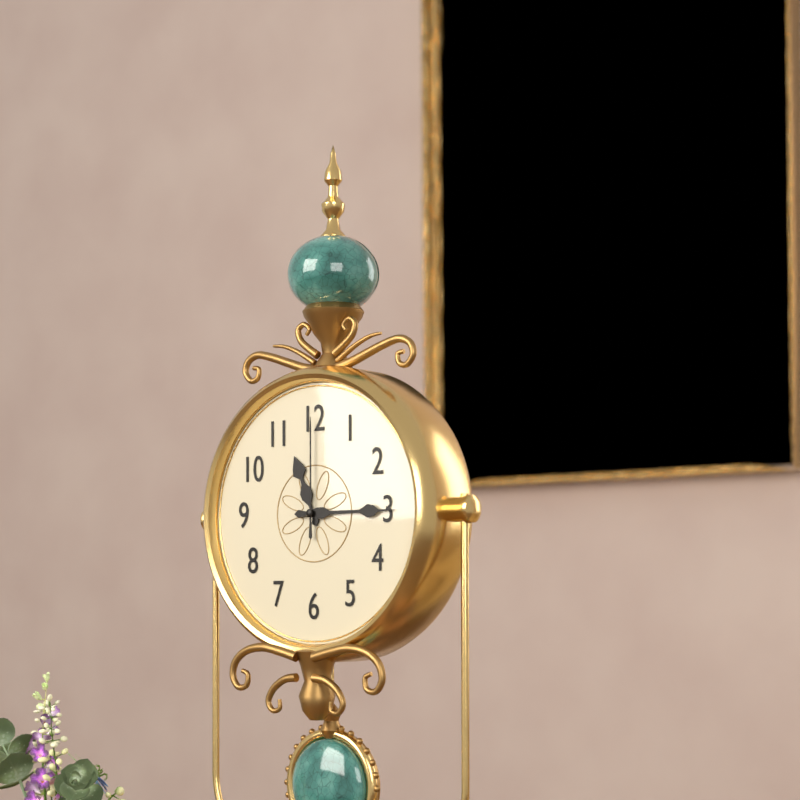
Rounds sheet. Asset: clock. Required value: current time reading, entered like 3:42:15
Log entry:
11:15:00
